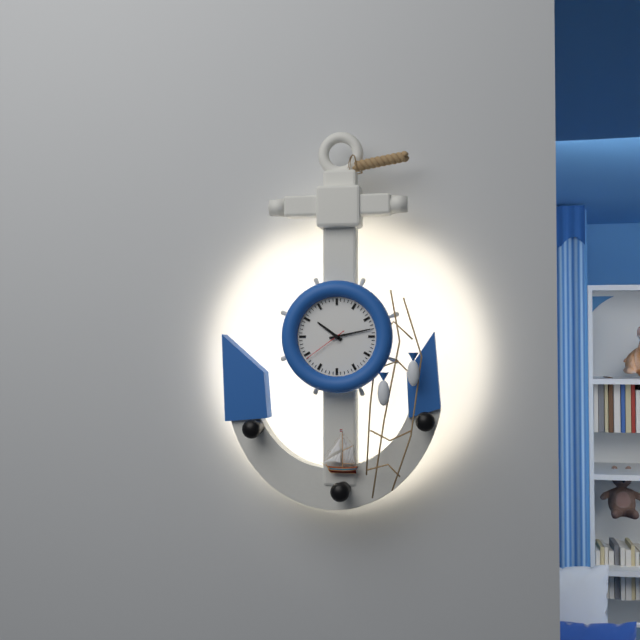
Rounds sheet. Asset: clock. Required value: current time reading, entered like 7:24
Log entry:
10:13
